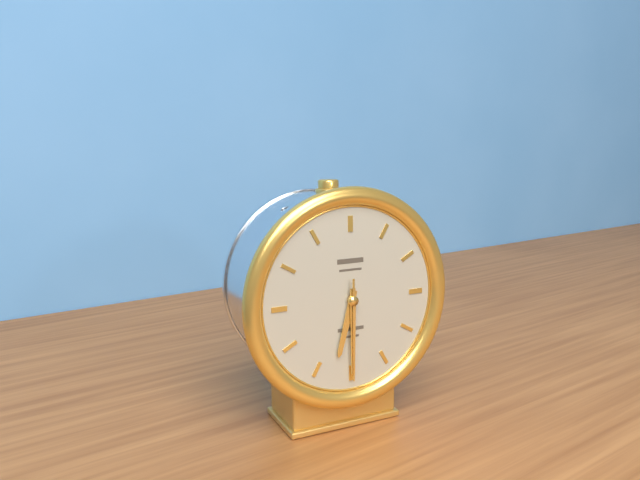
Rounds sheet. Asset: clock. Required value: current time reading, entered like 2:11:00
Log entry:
6:30:30
